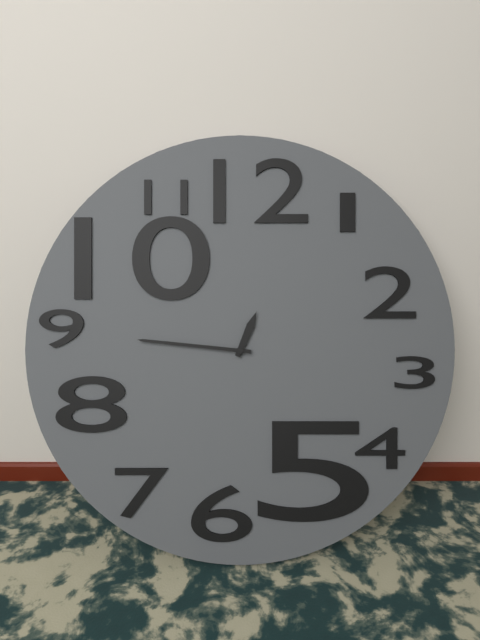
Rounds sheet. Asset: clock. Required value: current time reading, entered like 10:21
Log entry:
12:46
